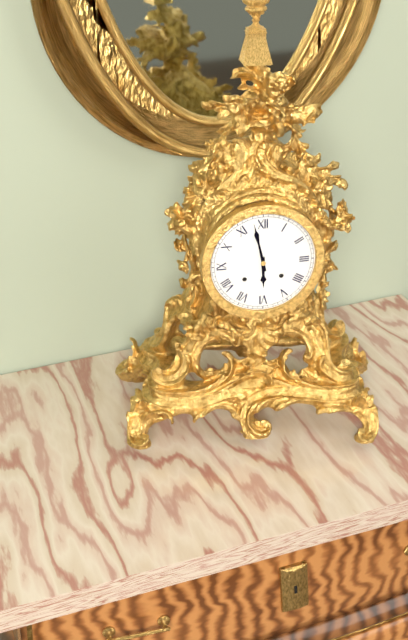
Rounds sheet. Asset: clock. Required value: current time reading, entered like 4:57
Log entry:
5:58
